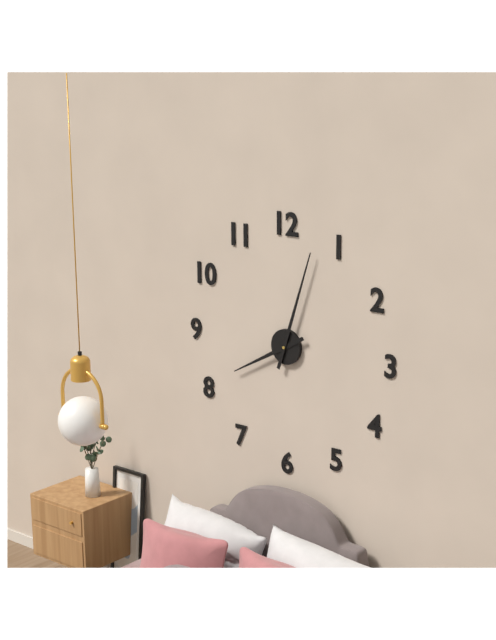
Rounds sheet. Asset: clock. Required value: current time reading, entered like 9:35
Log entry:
8:03
